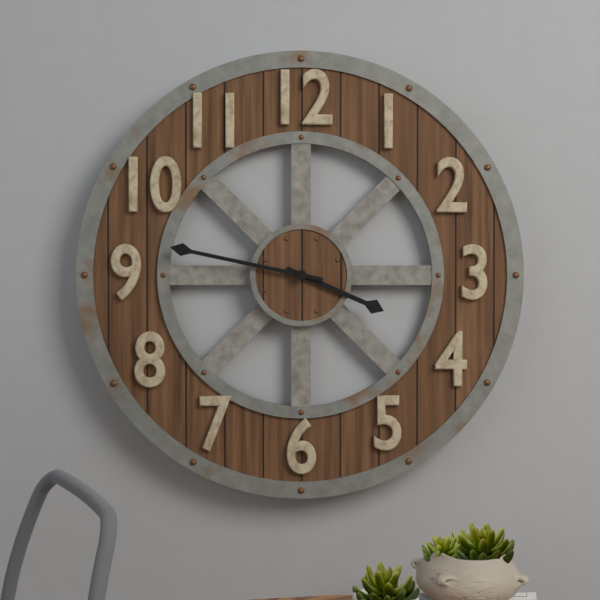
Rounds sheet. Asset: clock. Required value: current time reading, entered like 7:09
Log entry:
3:47
